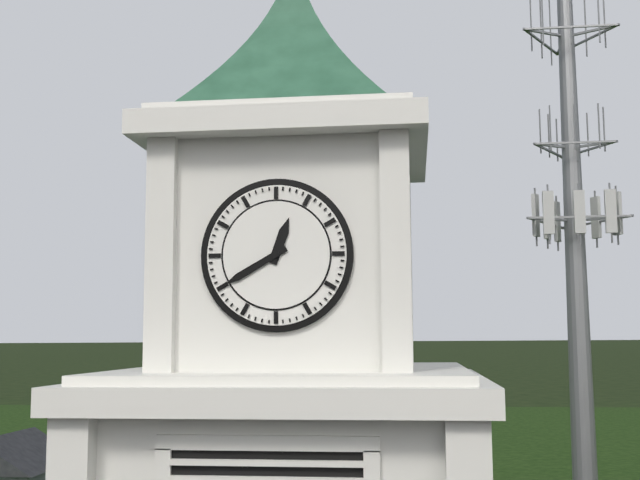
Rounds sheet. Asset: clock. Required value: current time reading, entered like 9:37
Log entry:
12:40
